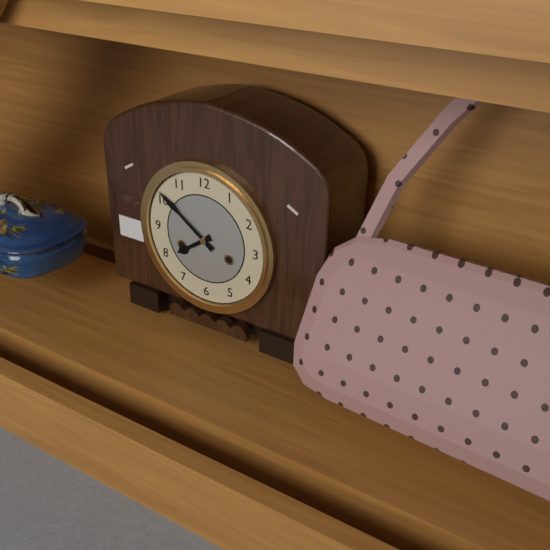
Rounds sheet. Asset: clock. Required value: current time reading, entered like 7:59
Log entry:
7:51
